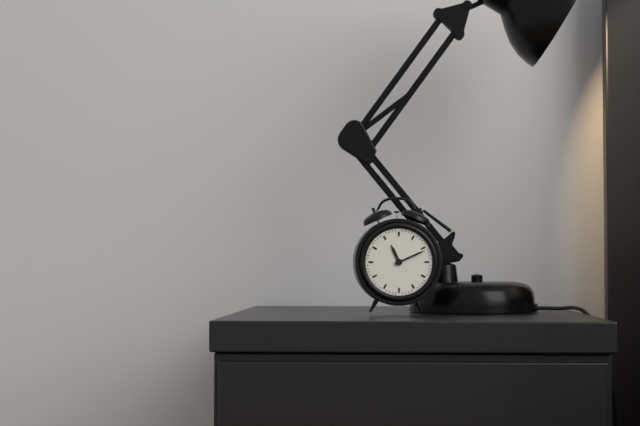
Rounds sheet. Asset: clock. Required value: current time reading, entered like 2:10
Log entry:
11:11
